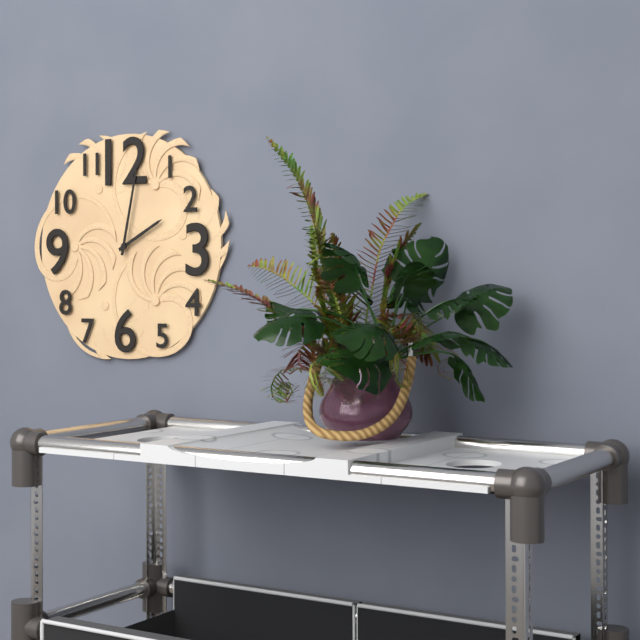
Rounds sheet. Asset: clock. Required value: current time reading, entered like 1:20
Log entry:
2:02
